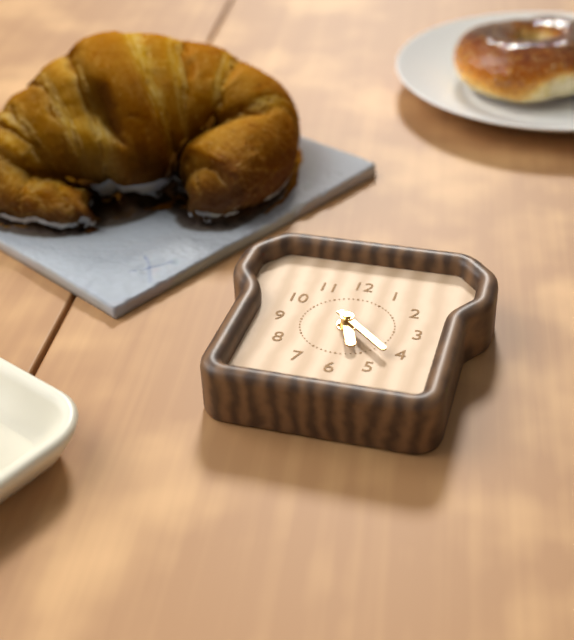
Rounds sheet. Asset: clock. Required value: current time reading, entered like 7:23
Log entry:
5:22
